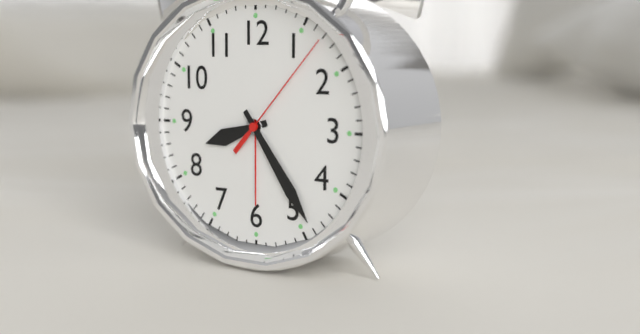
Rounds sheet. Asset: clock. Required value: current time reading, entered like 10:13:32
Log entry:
8:24:07
